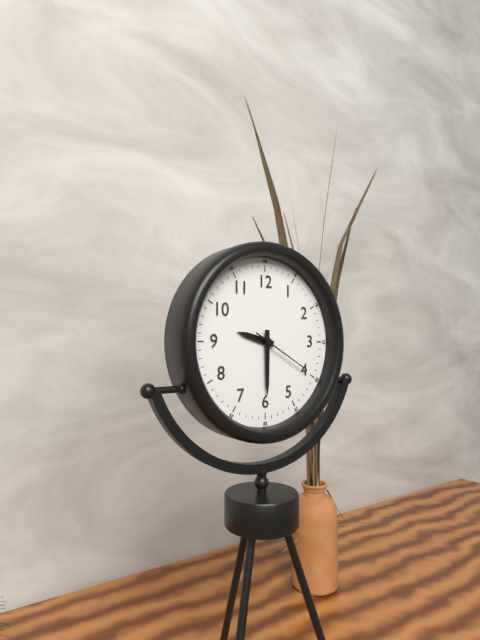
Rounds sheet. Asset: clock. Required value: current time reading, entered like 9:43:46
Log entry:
9:30:20
